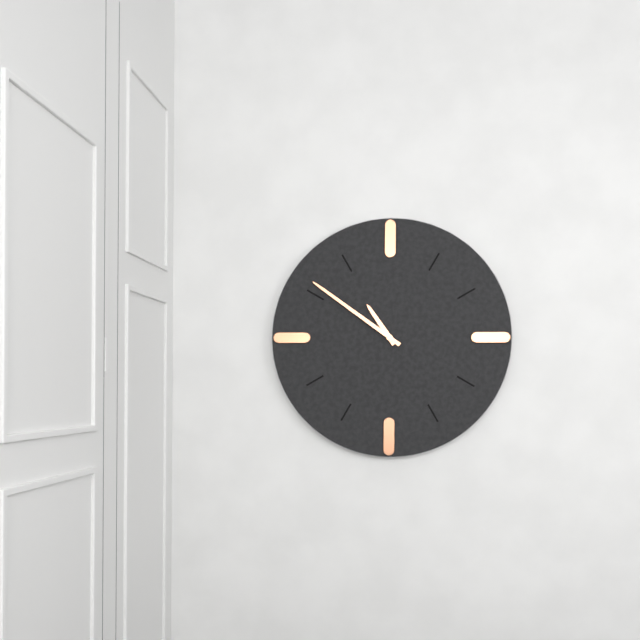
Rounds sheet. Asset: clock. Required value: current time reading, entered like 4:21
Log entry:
10:51
